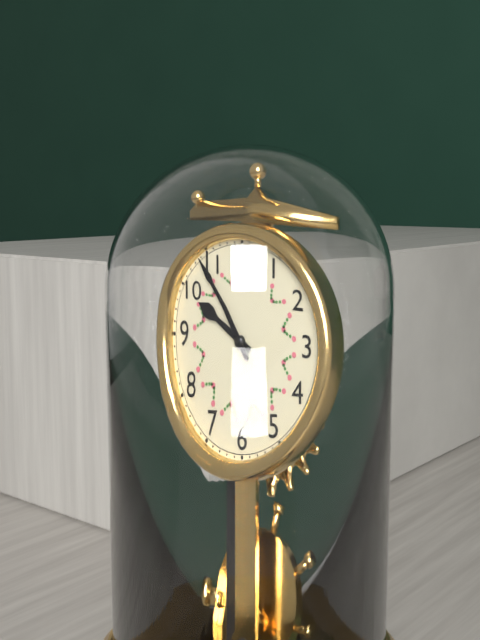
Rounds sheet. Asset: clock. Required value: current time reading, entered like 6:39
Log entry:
9:54
